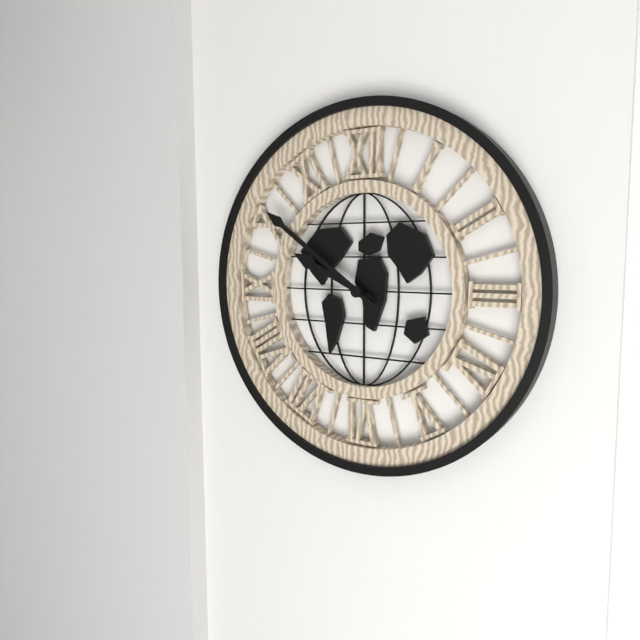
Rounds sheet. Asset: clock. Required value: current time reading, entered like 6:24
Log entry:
9:51
